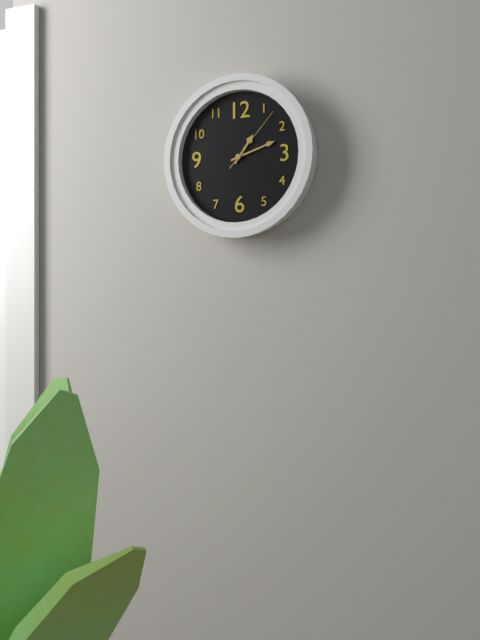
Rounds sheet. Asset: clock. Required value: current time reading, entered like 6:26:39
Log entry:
1:12:07
